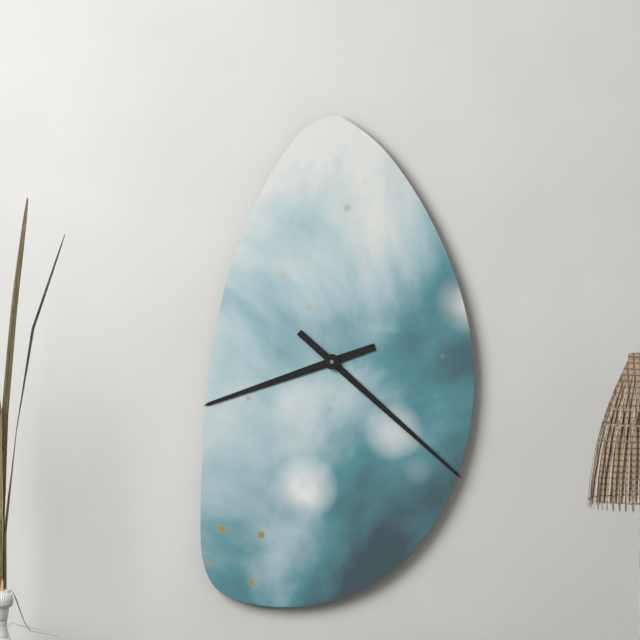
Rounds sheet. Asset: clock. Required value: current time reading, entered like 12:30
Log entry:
8:22
